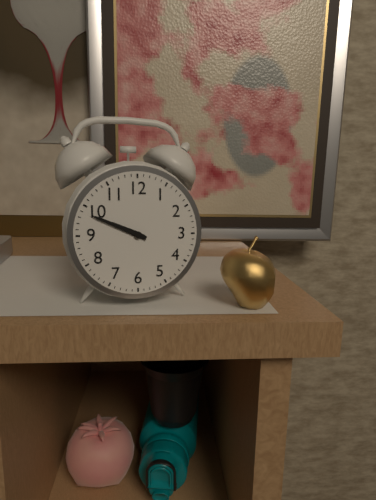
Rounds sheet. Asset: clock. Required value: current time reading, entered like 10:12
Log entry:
9:49
